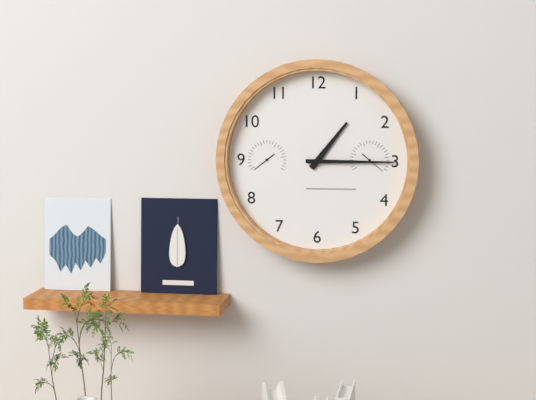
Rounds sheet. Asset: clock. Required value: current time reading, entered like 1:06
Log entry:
1:15
